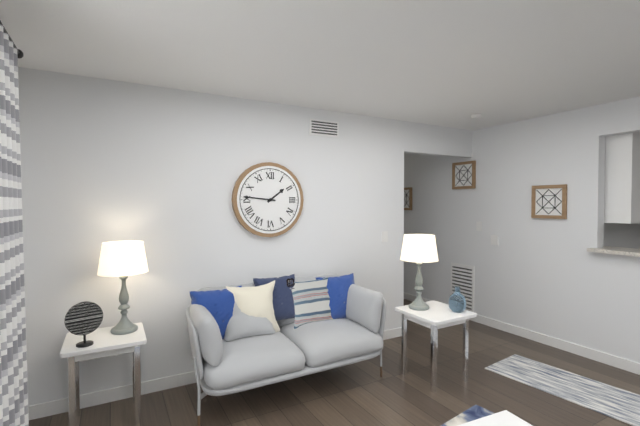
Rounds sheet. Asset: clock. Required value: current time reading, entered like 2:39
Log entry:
1:46
